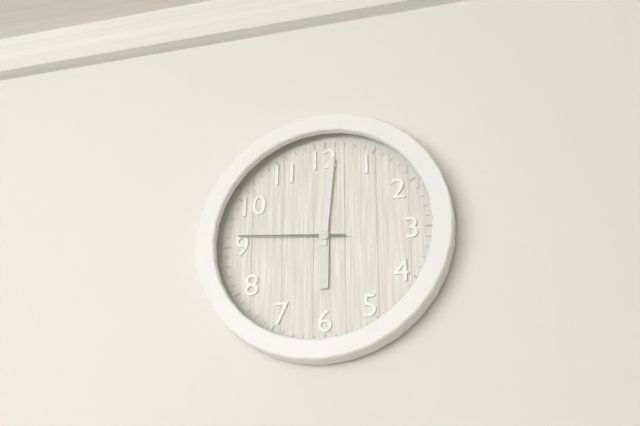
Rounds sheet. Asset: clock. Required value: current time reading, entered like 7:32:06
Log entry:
6:01:46
